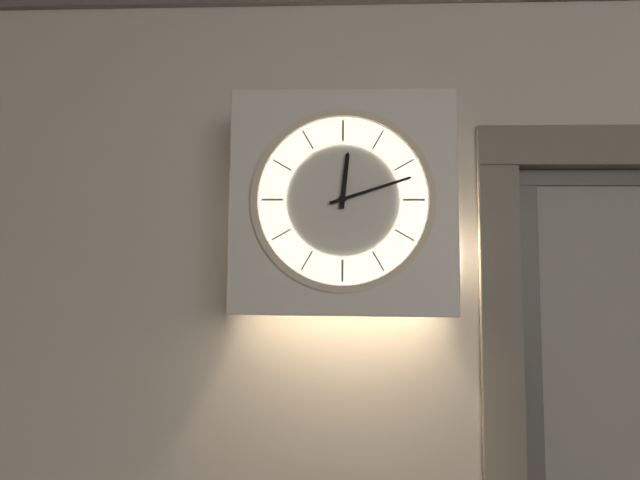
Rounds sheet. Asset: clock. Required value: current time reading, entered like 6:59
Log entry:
12:12
